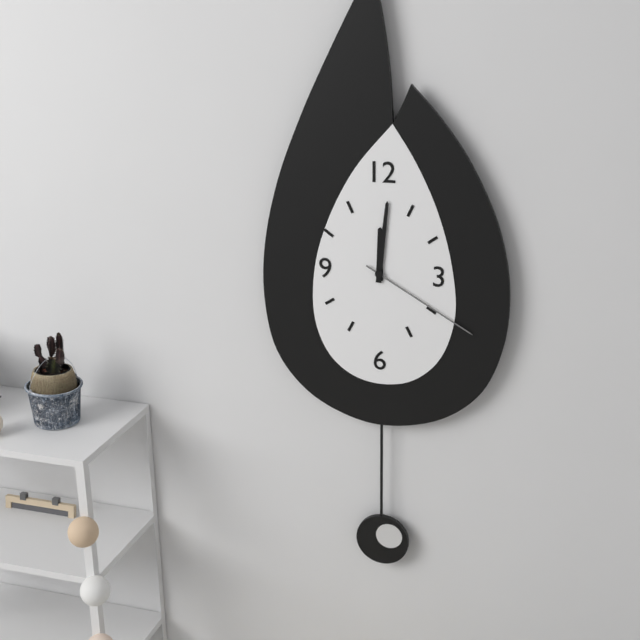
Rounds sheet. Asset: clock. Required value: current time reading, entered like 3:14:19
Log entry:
12:01:20
